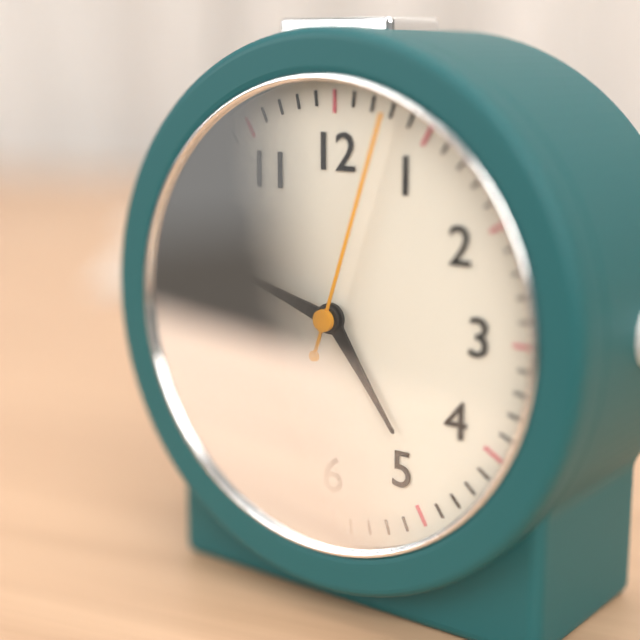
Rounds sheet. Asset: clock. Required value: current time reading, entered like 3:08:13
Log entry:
4:48:03
